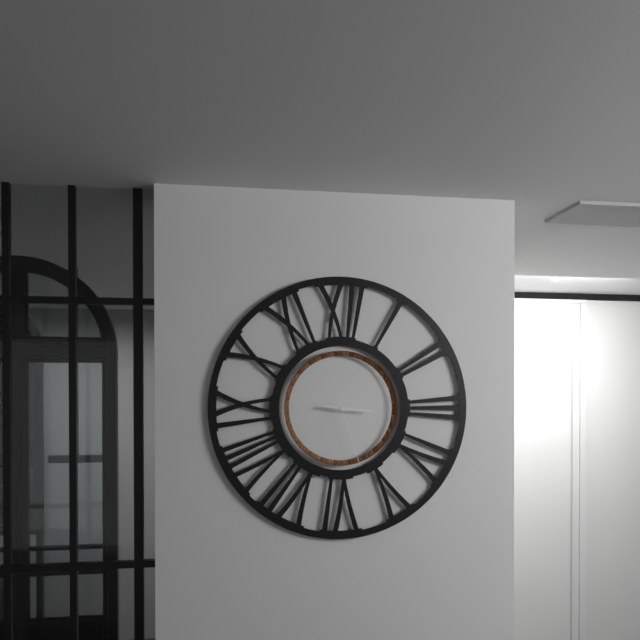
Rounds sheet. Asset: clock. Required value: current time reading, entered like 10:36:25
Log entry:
9:16:27
